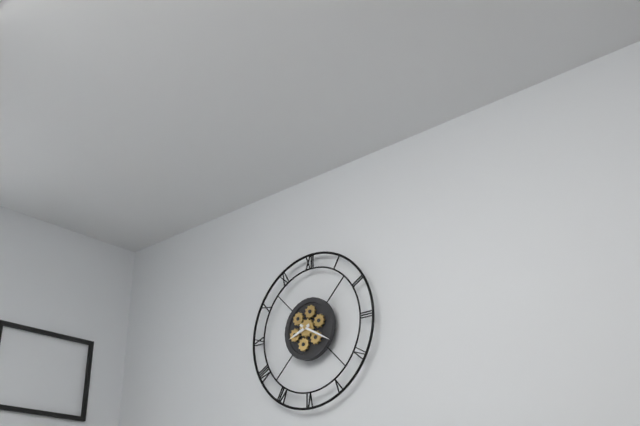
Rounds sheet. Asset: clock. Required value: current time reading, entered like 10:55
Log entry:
8:20
